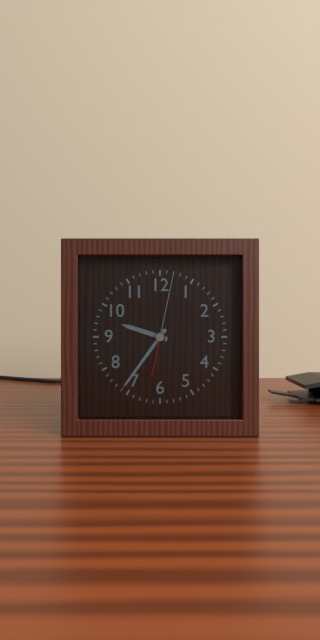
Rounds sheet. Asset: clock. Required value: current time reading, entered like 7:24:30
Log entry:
9:36:02
